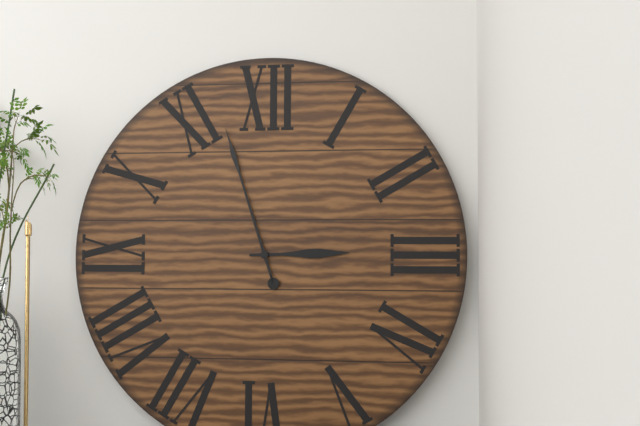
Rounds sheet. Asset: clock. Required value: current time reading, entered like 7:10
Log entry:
2:57
